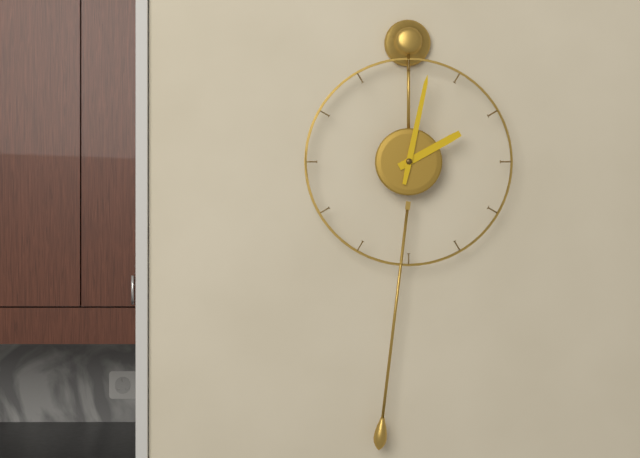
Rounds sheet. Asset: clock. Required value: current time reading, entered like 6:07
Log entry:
2:02
